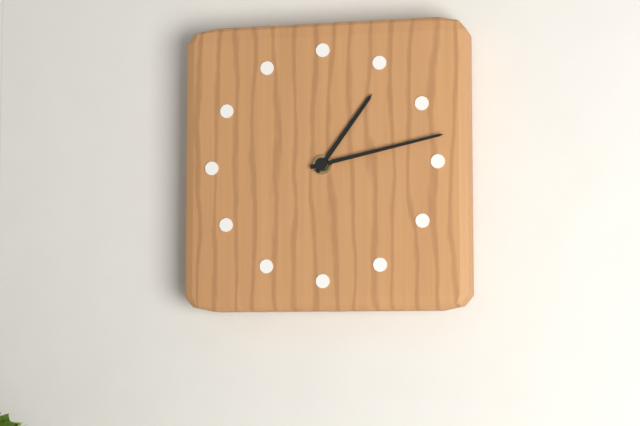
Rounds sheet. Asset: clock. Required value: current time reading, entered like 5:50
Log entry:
1:13
